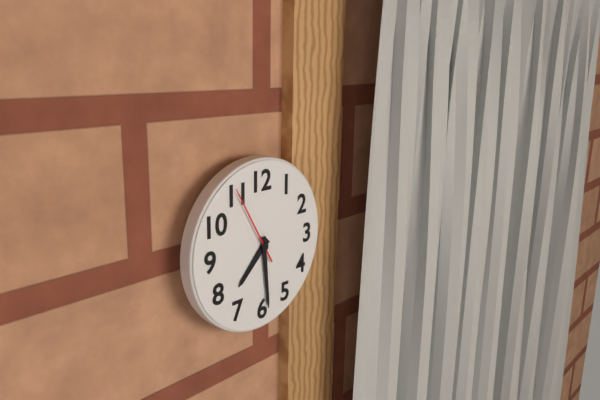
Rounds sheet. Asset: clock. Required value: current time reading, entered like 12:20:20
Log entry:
7:29:55
